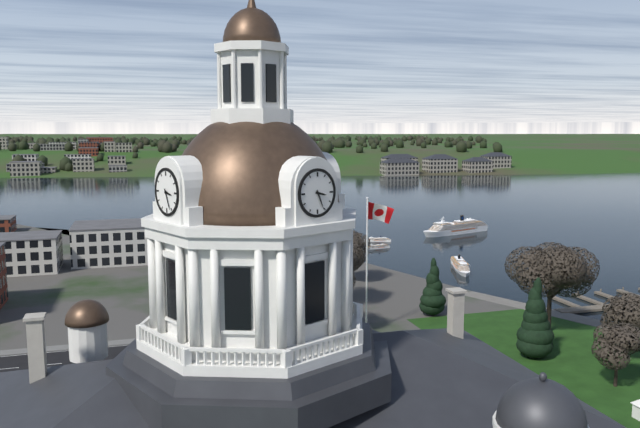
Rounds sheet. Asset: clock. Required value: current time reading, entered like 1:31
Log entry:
3:26
